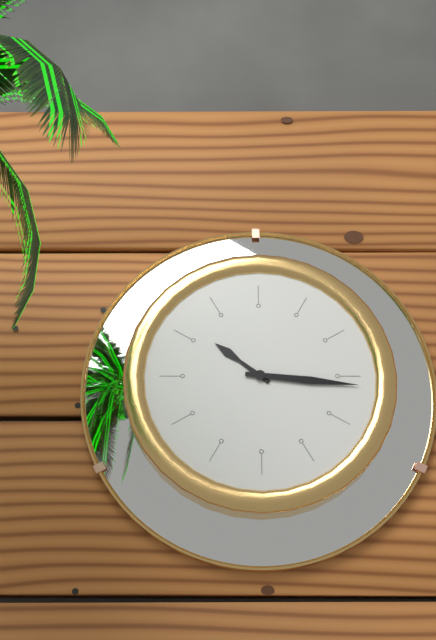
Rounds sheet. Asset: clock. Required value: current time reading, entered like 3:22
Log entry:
10:16
